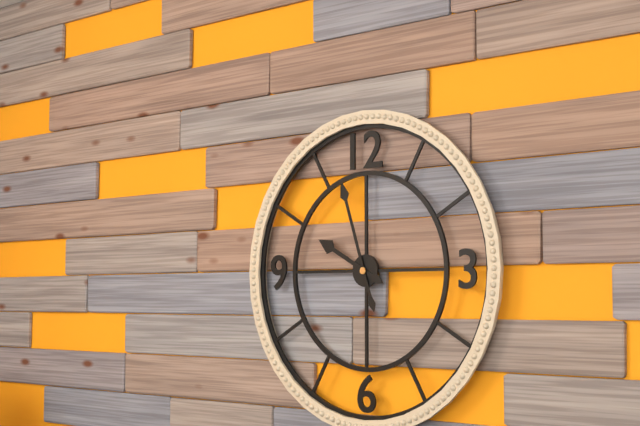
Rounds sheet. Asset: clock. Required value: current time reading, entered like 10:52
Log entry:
9:57
